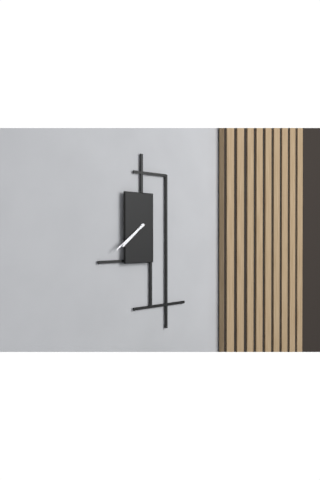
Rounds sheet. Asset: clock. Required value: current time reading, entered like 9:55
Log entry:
7:39
